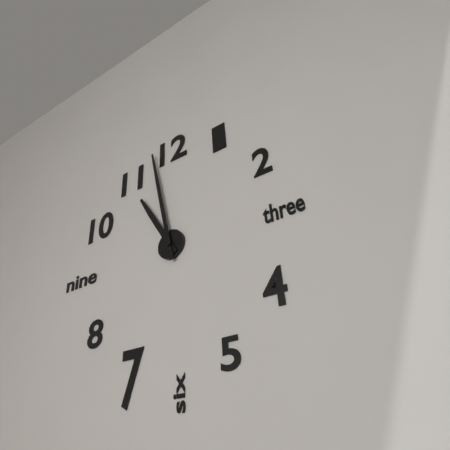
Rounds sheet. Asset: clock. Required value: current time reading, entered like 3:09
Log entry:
10:58
